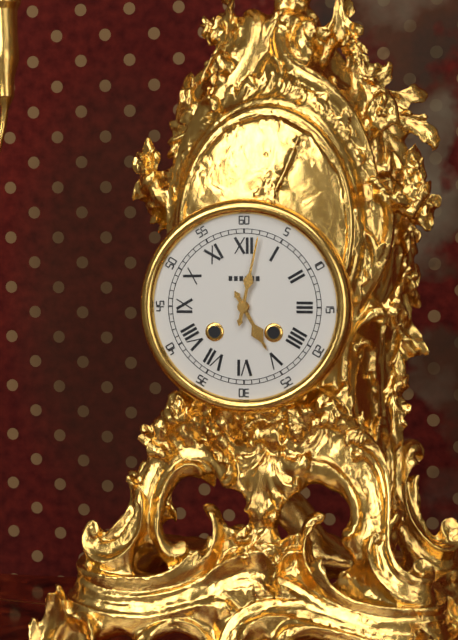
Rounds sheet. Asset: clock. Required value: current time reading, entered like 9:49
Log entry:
5:02
